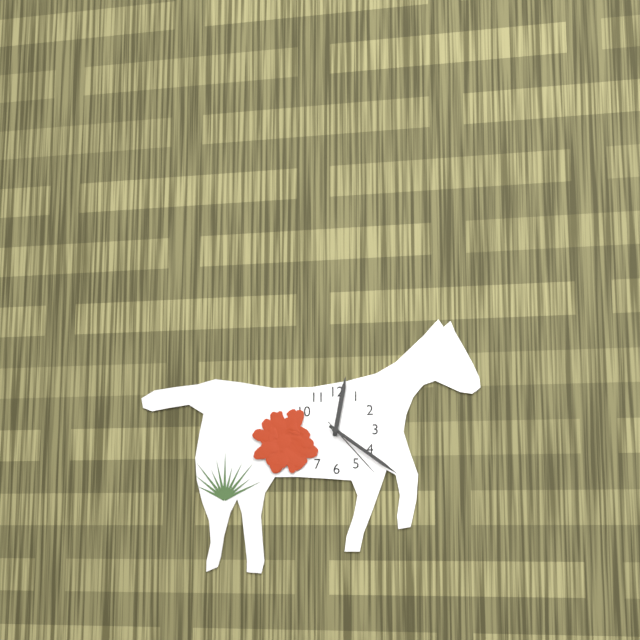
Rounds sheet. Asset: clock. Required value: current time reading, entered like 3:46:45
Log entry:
12:21:23
